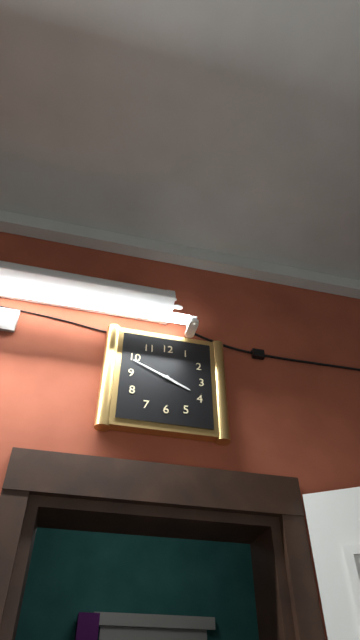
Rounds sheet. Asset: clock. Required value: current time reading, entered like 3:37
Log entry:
3:49
